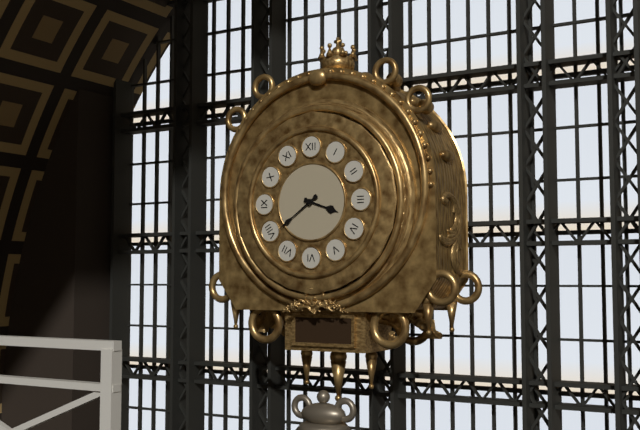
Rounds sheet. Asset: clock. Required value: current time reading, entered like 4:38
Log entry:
3:39
